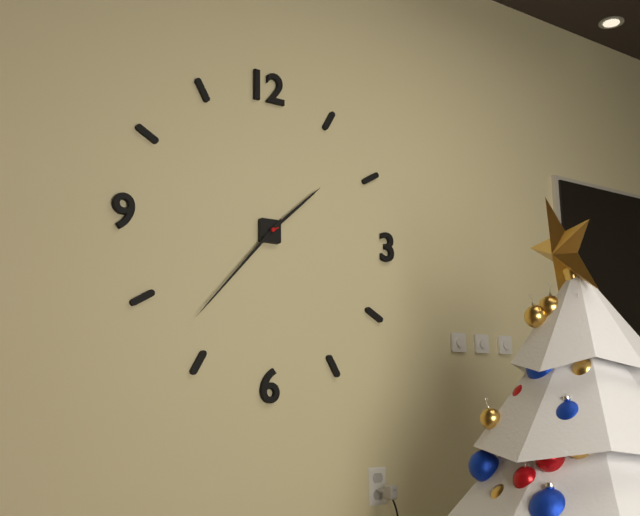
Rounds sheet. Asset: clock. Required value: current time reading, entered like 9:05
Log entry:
1:37
